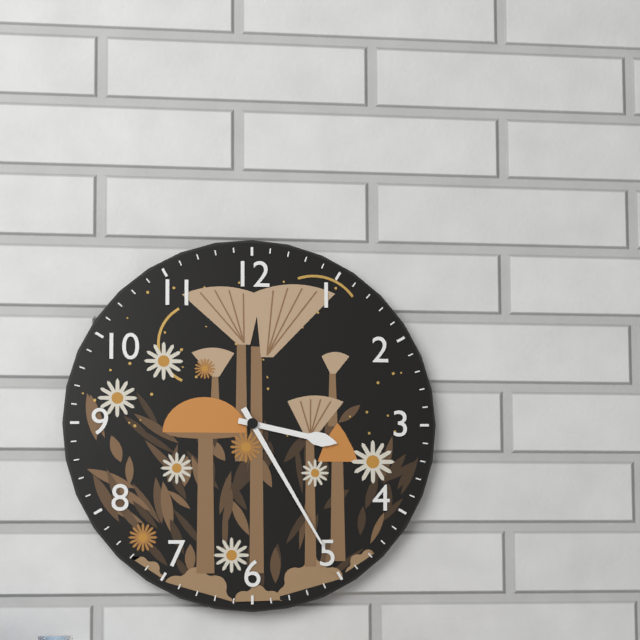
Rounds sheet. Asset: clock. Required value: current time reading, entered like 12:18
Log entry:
3:25
